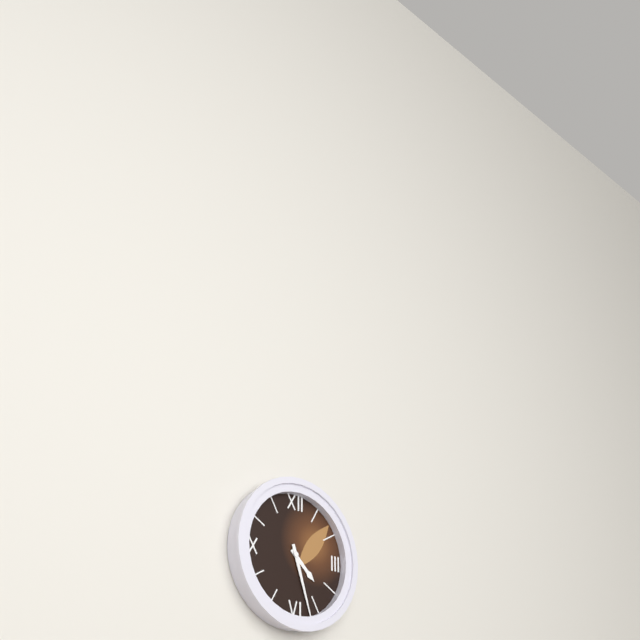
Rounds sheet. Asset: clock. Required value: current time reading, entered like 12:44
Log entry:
4:27
